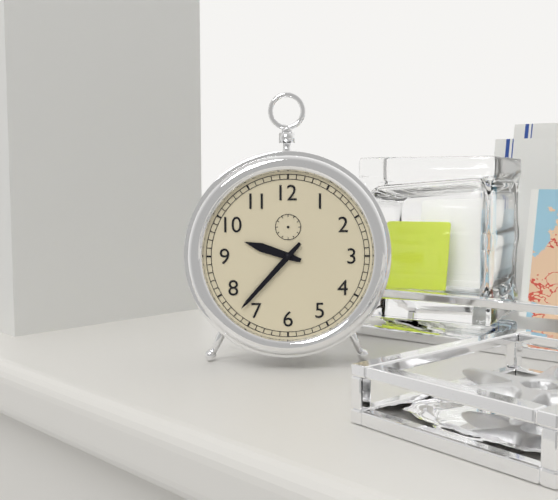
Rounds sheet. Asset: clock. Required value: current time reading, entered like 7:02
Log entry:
9:37
